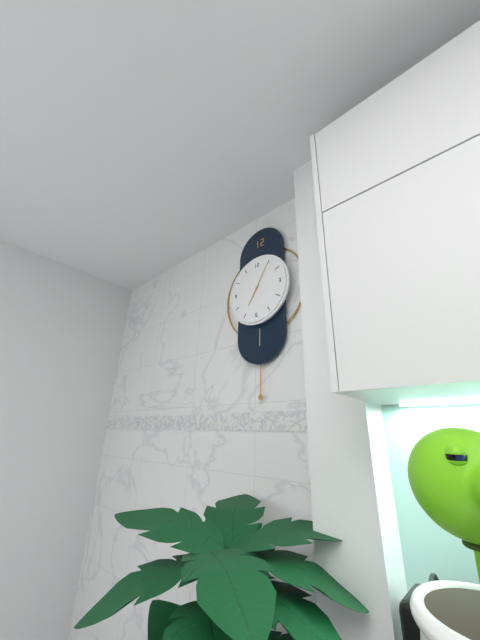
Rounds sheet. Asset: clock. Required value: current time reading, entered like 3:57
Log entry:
7:05
